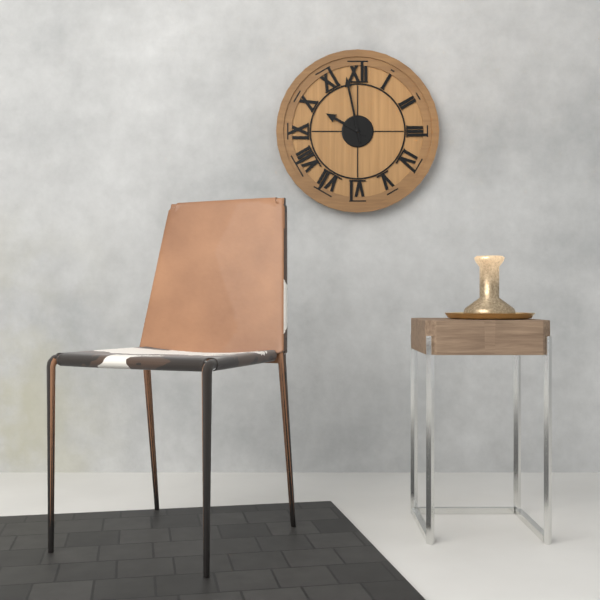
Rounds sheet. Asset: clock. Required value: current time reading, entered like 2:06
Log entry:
9:58
